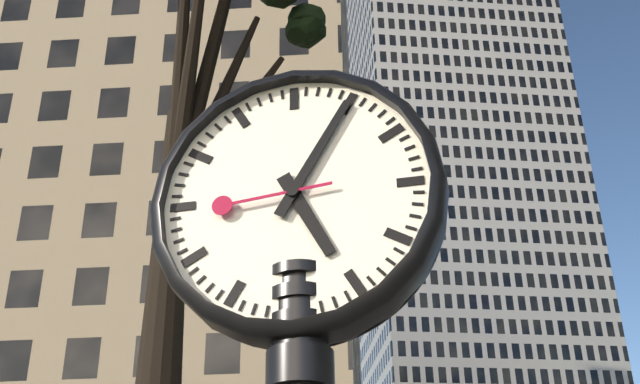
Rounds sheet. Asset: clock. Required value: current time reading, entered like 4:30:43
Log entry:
5:05:44
